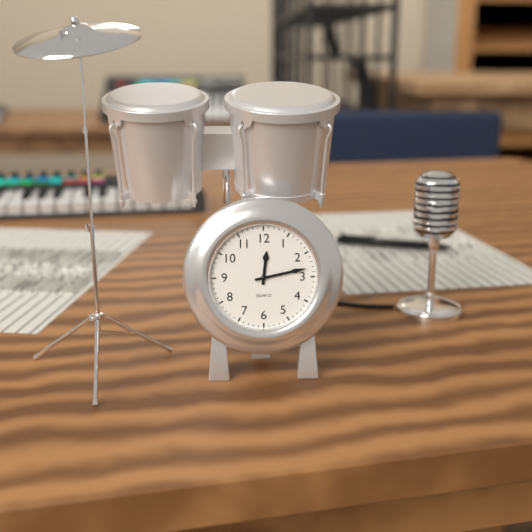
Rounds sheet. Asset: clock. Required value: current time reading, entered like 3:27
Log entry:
12:13
